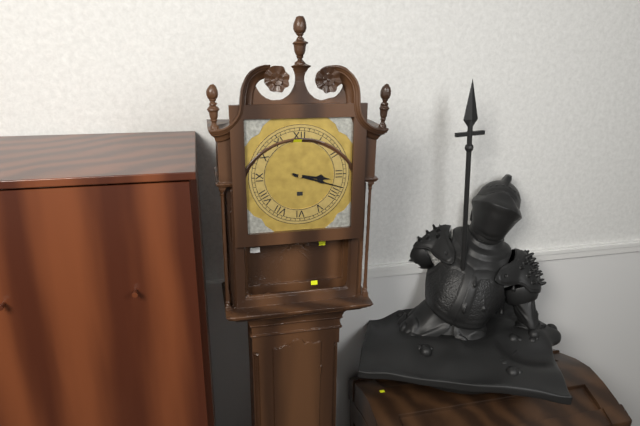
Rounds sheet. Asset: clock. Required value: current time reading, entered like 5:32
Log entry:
3:18
